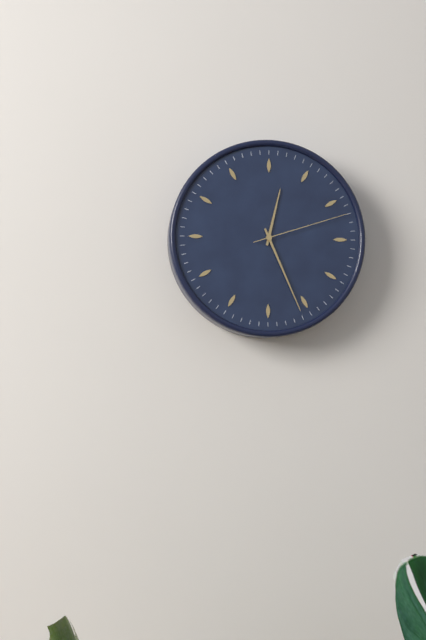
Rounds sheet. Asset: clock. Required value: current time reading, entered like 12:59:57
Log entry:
12:26:12
